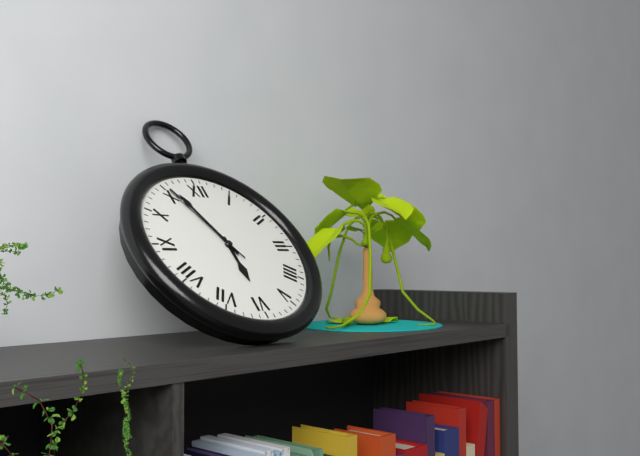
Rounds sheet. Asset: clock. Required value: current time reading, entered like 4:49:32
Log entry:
5:56:55
